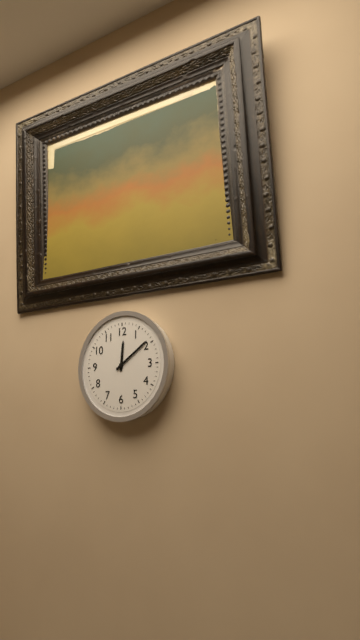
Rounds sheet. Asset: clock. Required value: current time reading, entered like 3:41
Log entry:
12:09
